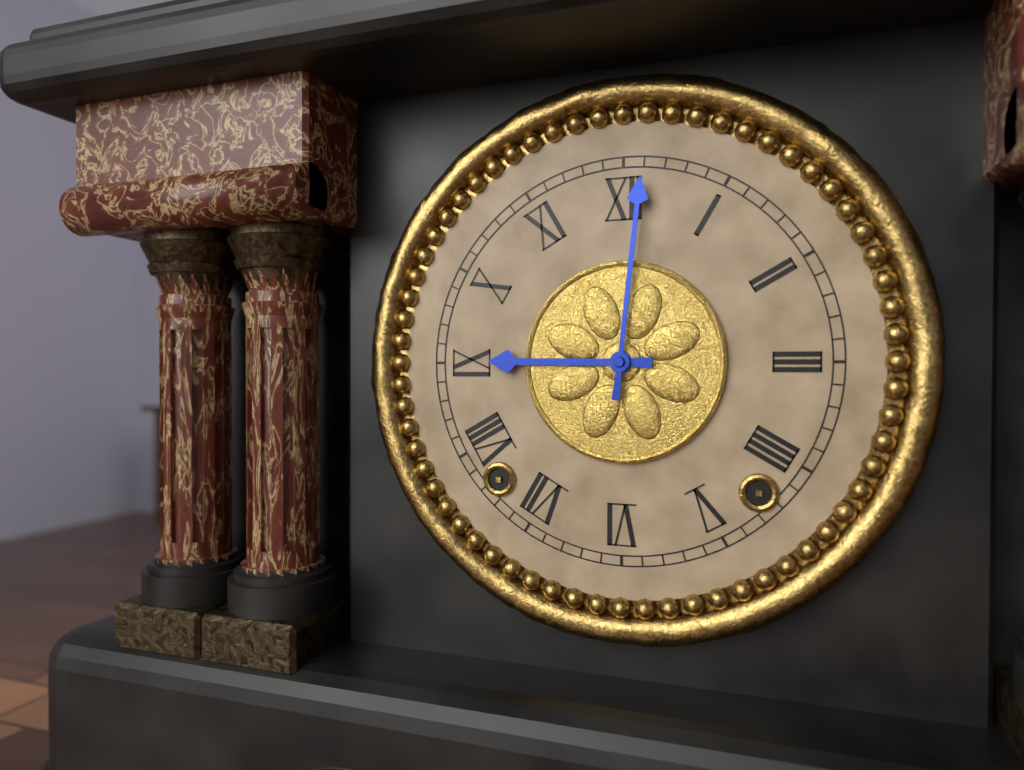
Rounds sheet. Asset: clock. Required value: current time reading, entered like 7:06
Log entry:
9:01
